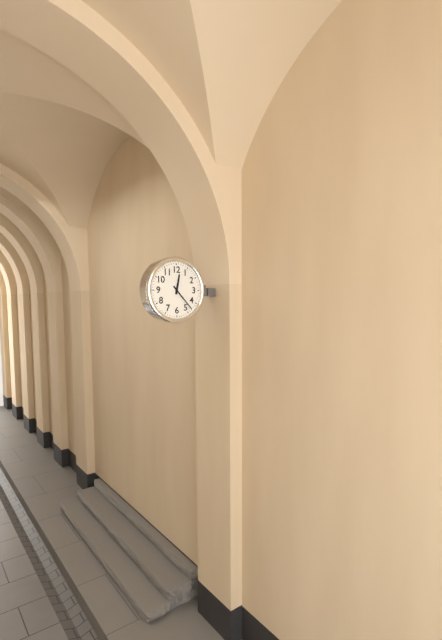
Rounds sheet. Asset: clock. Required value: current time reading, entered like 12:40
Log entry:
12:23
